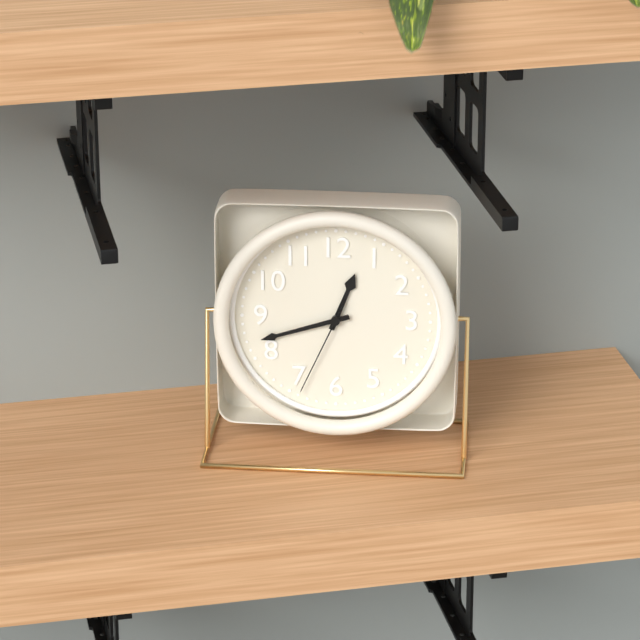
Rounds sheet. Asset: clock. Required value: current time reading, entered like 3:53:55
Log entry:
12:42:34
